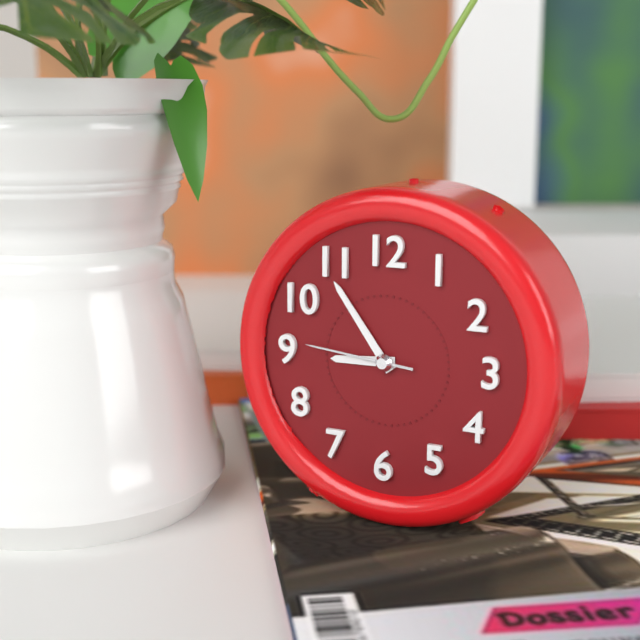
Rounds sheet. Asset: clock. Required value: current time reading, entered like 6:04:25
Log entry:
8:54:46
